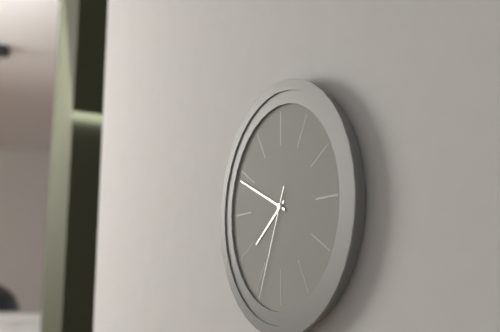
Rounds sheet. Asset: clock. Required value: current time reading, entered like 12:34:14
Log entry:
7:49:34
